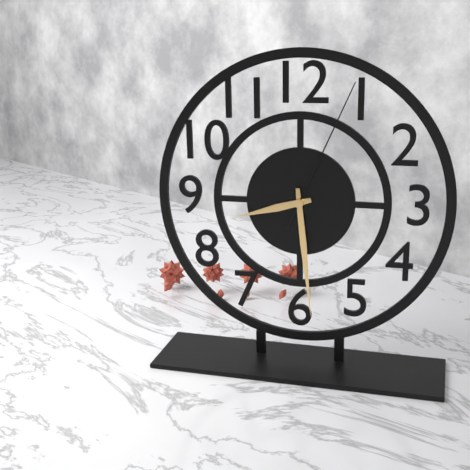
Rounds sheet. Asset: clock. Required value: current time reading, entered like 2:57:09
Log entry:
8:29:04
